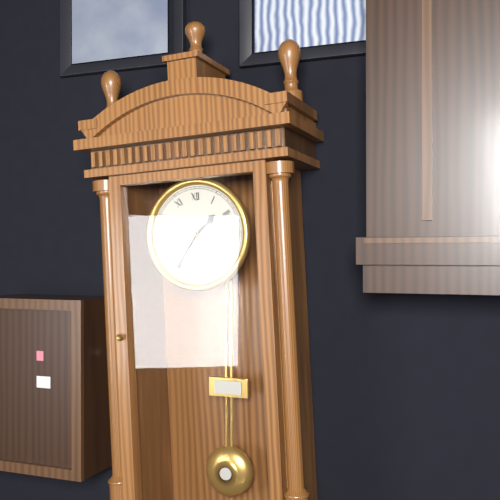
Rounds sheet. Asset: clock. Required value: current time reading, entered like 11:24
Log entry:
1:36
